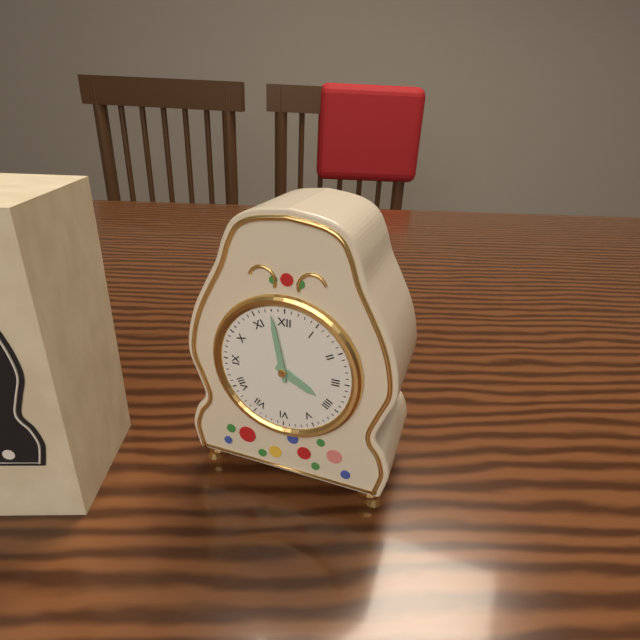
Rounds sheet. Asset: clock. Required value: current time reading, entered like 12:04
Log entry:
3:58
